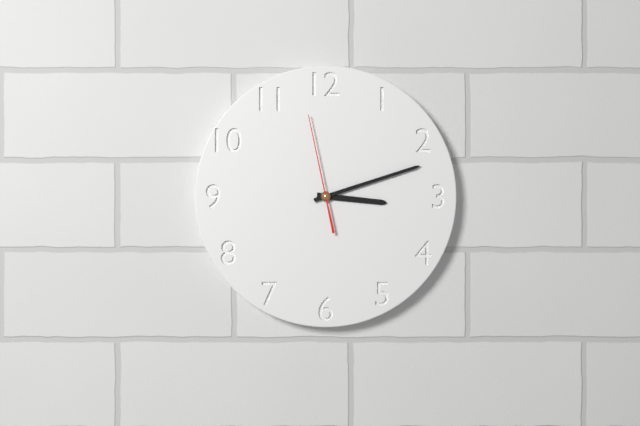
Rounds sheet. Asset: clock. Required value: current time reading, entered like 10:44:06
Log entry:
3:12:58
